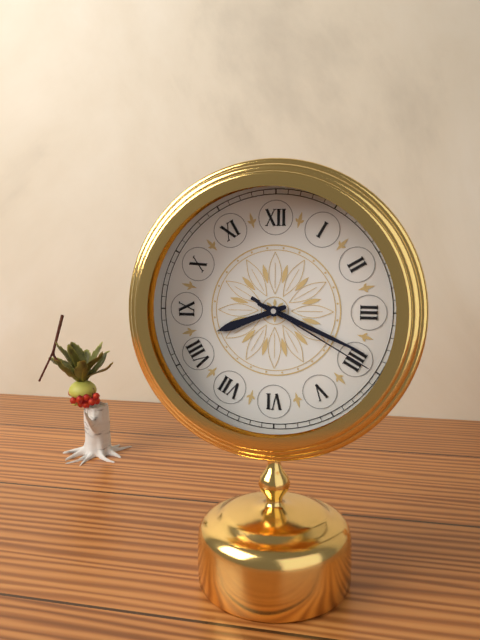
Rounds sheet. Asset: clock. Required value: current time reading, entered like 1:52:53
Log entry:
8:19:20
